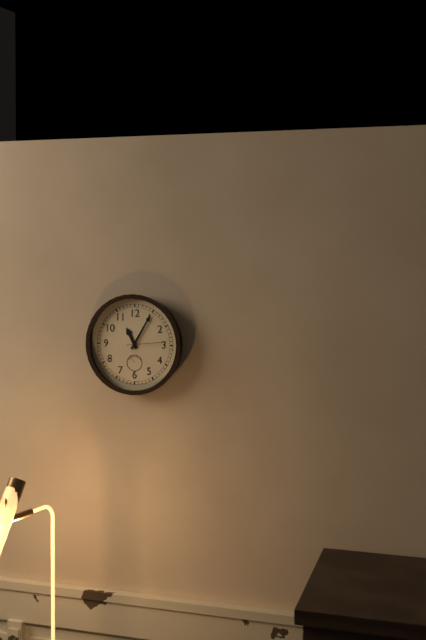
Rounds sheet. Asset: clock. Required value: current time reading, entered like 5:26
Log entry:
11:05
